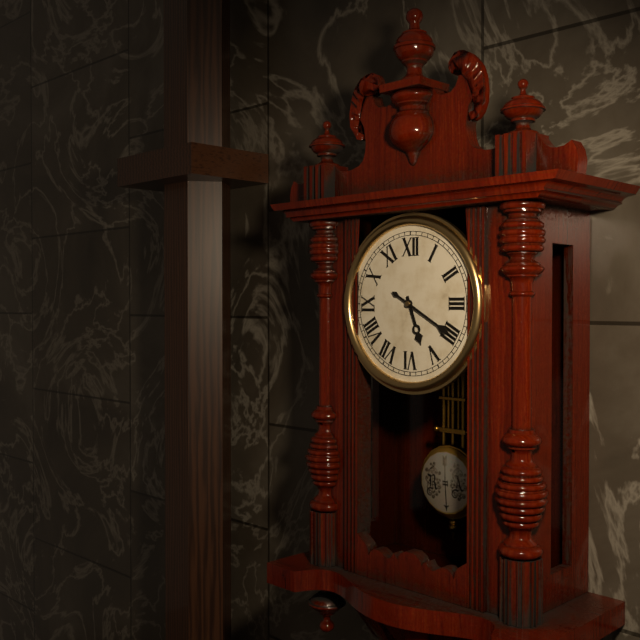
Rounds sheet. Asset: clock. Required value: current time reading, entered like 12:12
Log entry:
5:20
